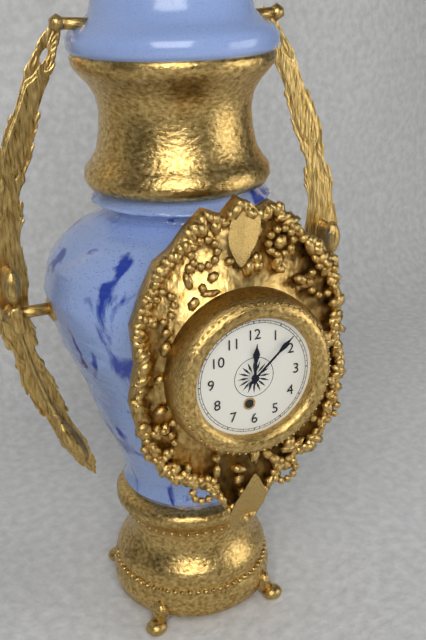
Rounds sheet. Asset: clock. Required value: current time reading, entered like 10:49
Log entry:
12:08
